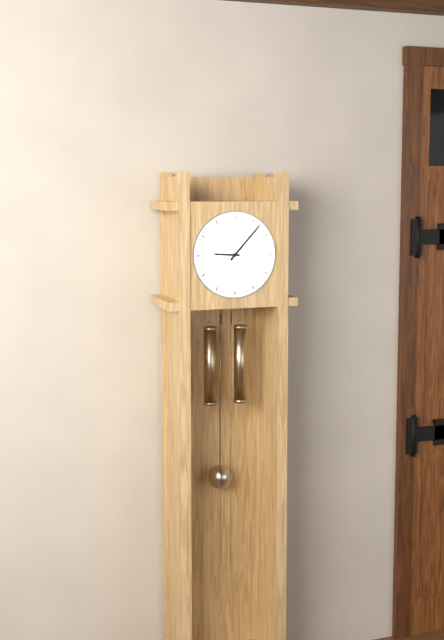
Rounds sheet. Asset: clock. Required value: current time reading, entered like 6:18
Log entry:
9:07
